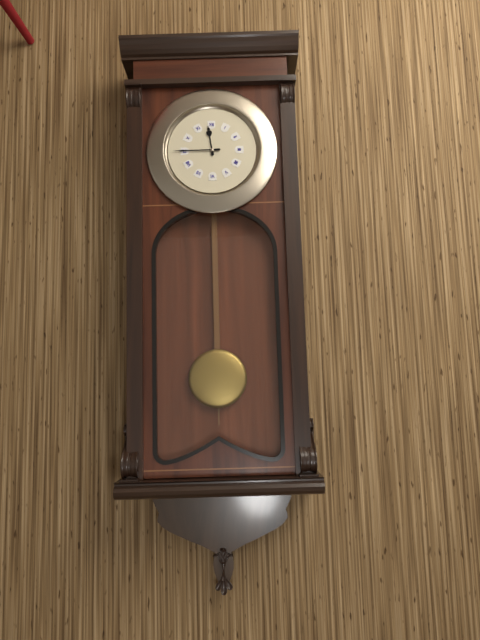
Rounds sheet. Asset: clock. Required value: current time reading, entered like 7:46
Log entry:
11:45
